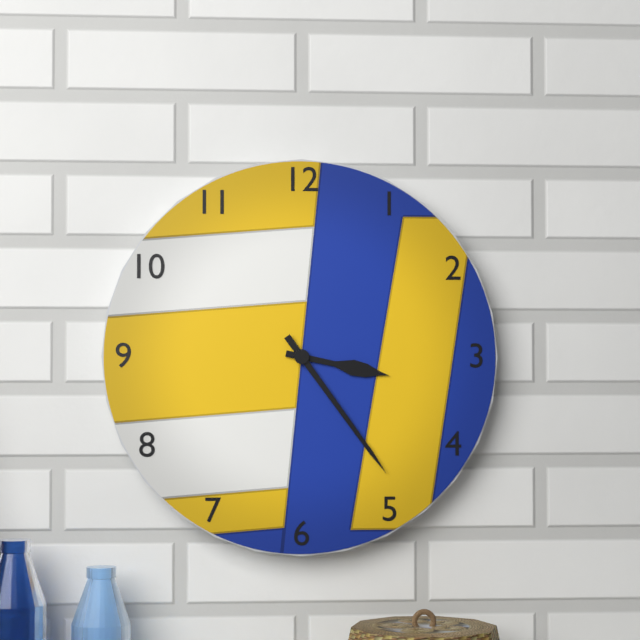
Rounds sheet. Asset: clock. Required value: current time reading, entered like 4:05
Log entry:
3:24
